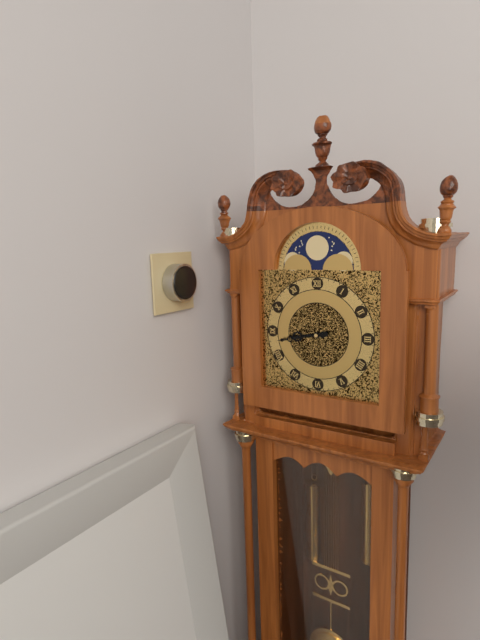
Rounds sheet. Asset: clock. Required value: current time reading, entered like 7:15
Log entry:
8:43
